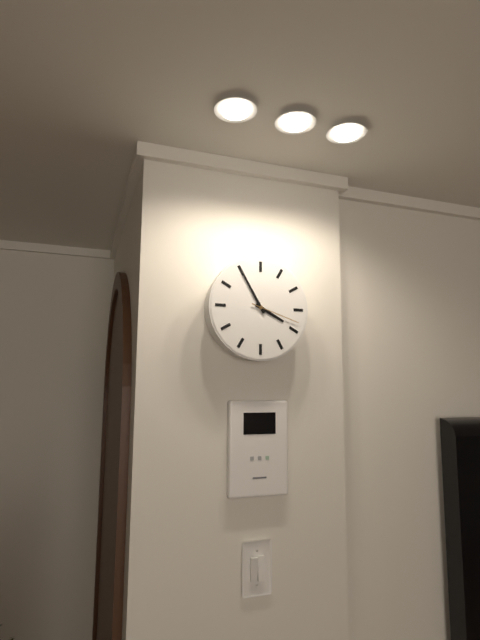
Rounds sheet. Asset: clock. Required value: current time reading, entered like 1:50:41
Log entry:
3:55:18
